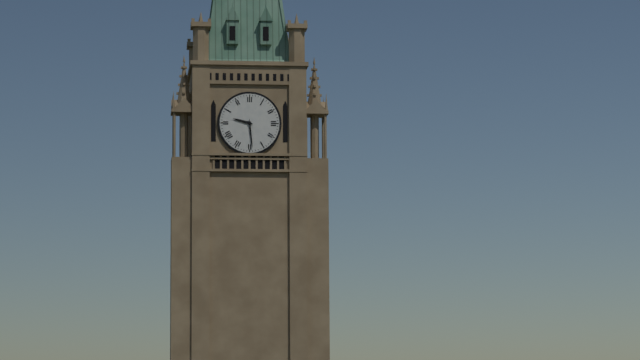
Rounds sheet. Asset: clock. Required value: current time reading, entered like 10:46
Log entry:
9:29
